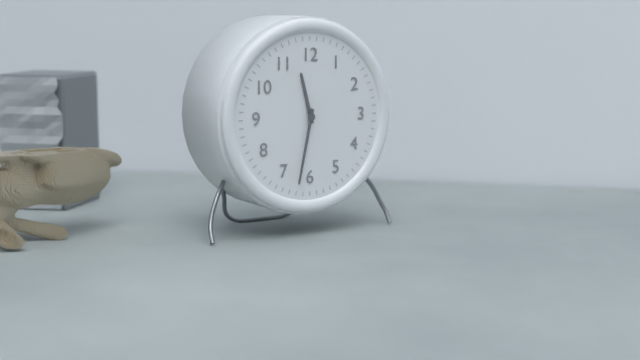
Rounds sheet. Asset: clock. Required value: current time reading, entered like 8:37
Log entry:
11:32
